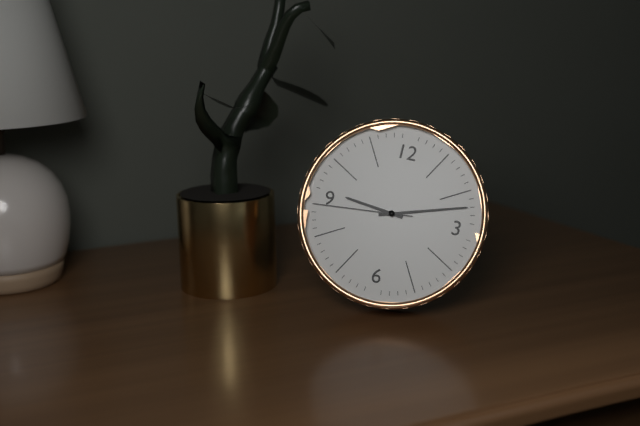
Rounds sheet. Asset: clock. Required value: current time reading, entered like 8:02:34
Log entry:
9:12:44
